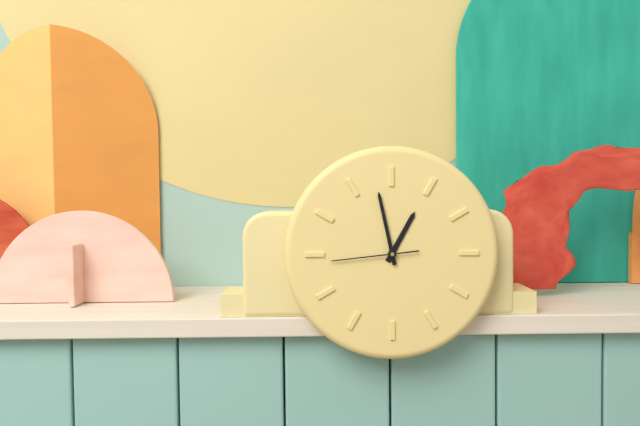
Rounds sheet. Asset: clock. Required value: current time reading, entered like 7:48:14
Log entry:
12:58:44
